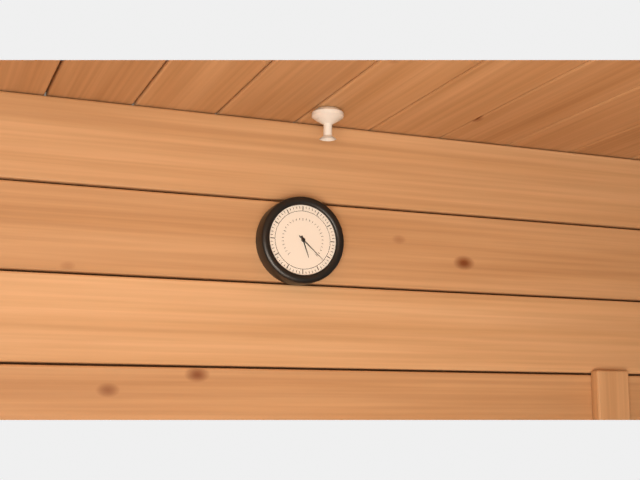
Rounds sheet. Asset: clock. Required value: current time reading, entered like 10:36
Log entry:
5:22
